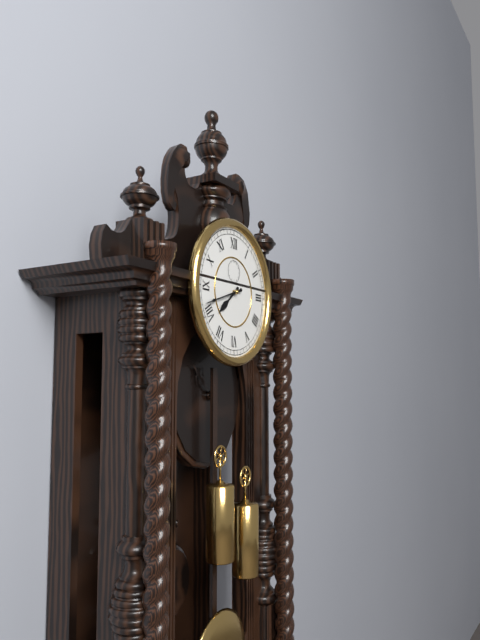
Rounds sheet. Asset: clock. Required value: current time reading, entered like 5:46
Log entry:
7:42
